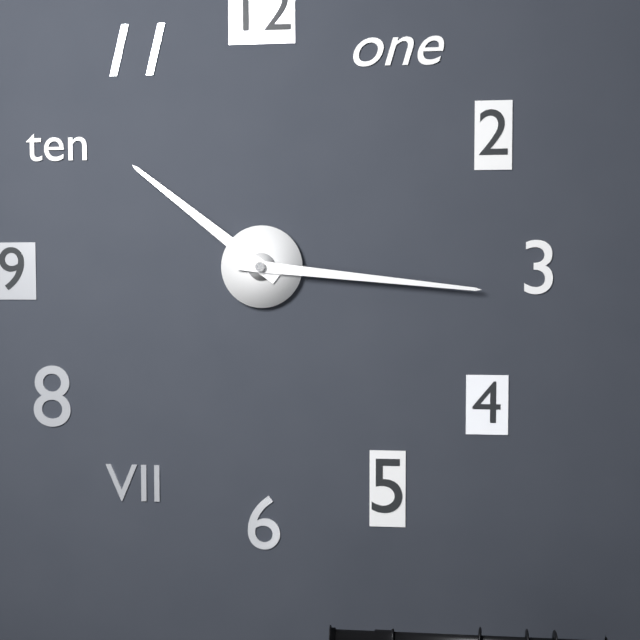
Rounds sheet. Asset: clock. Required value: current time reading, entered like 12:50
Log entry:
10:16
